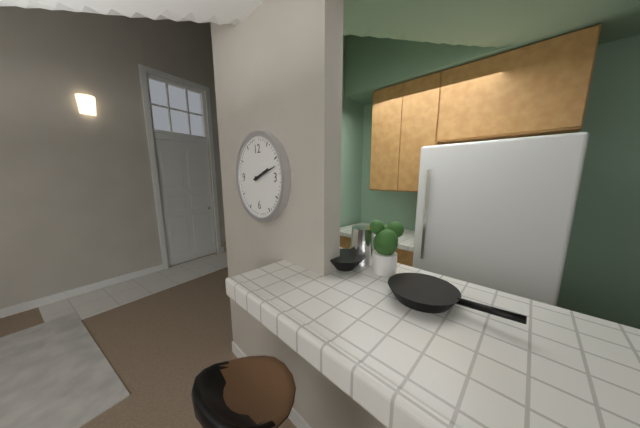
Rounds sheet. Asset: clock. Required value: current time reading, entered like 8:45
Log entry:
2:12
